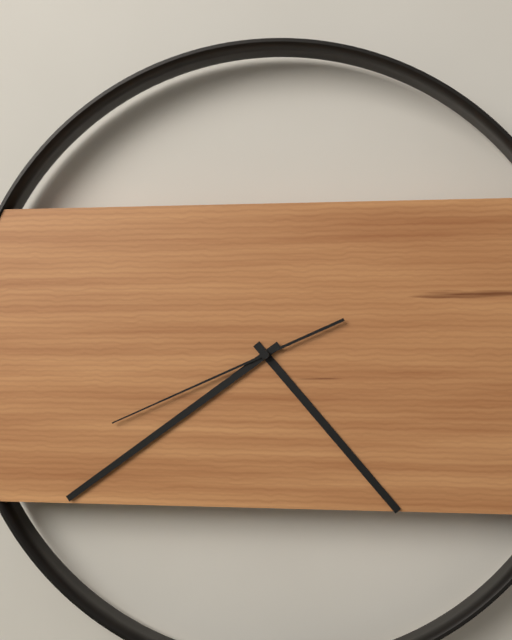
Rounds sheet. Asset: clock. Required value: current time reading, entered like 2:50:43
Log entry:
4:39:41
